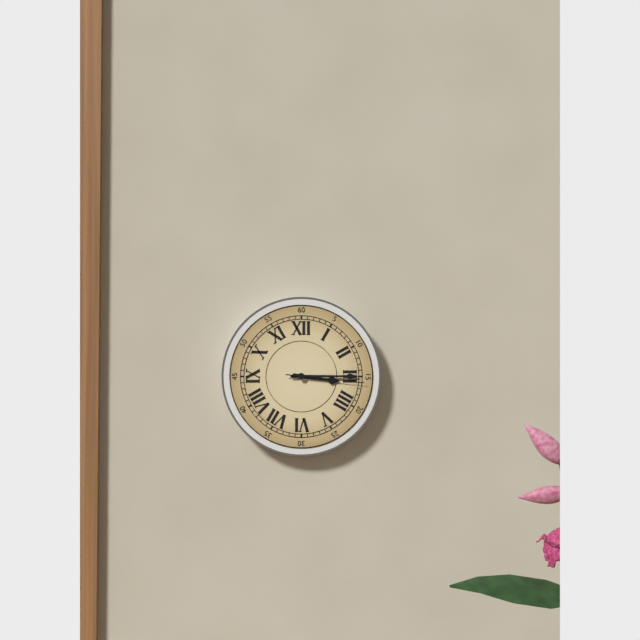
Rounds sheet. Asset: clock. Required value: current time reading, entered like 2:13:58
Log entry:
3:15:16
